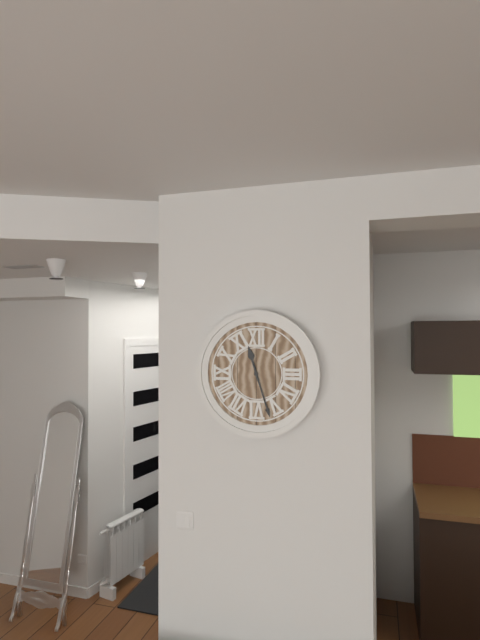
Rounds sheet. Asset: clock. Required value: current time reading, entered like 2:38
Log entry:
11:27
